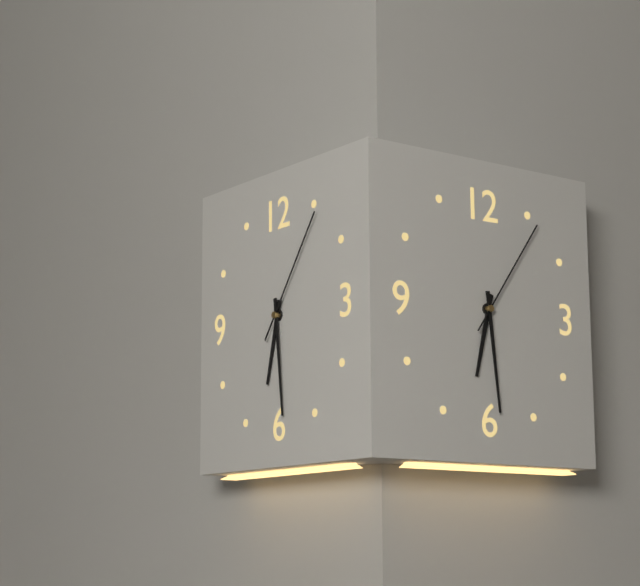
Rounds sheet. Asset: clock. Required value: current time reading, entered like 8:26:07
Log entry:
6:29:06
